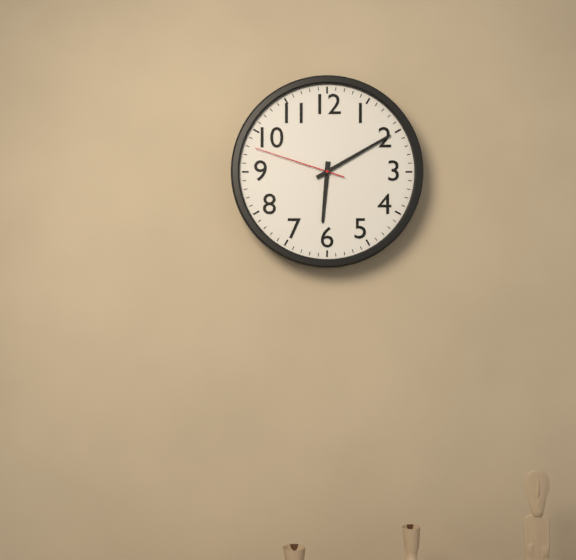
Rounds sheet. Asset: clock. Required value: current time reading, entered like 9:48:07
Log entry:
6:10:48
